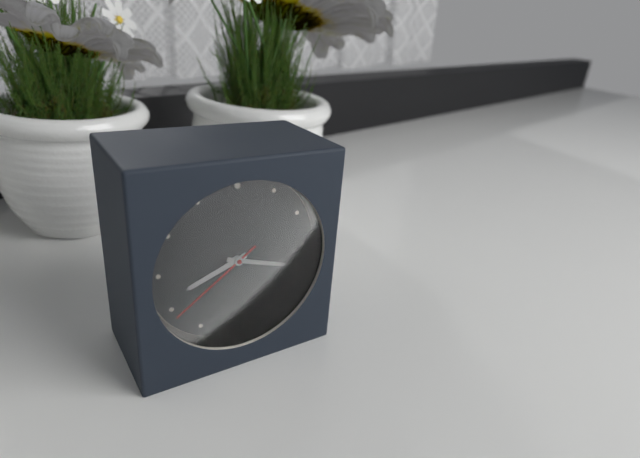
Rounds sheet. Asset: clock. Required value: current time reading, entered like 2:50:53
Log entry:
8:18:39
